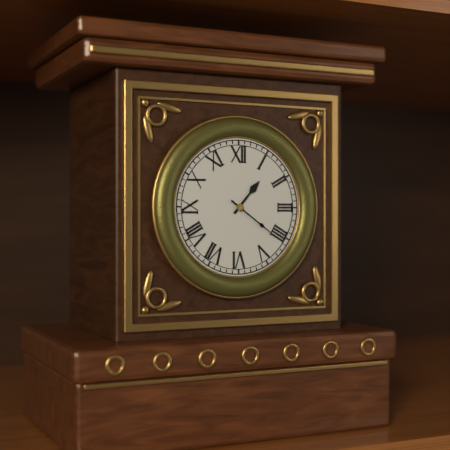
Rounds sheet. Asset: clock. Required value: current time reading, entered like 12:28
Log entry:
1:21
